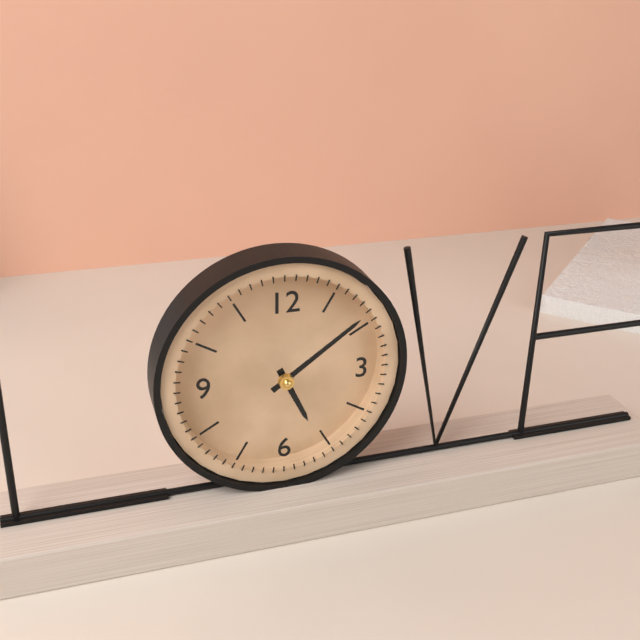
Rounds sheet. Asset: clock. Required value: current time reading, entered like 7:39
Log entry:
5:09
